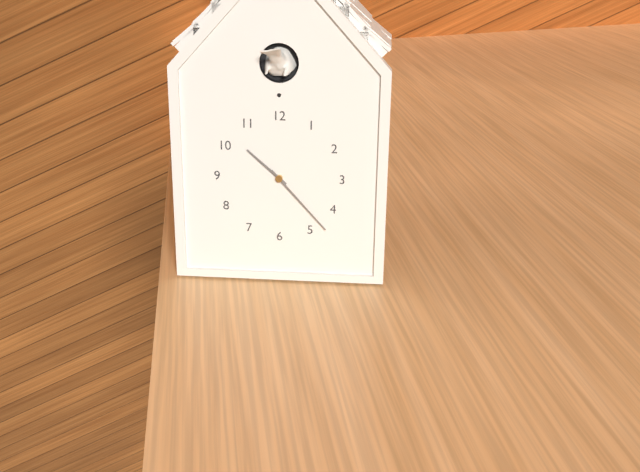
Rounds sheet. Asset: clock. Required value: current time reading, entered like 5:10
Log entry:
10:23
